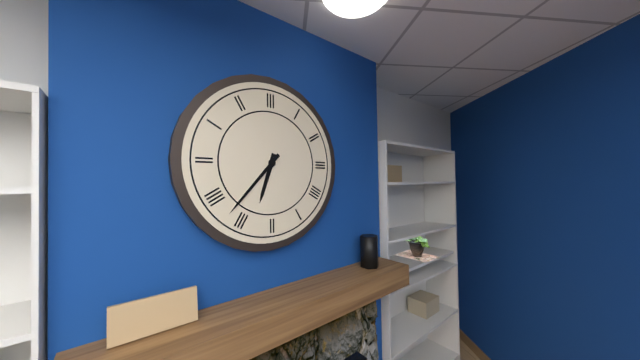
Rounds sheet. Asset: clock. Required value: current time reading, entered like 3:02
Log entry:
6:37
